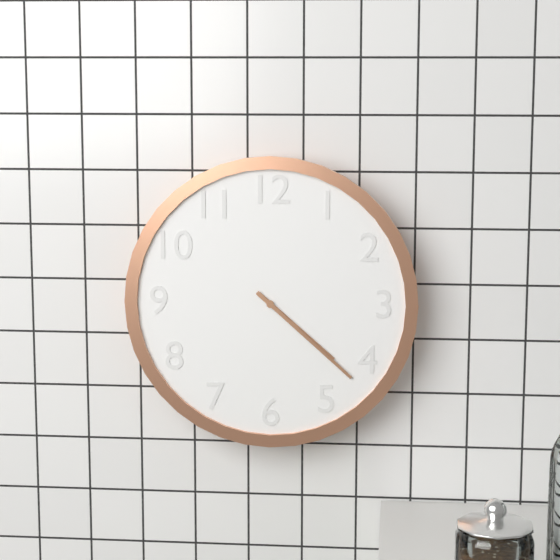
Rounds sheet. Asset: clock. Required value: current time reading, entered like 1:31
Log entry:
4:22
